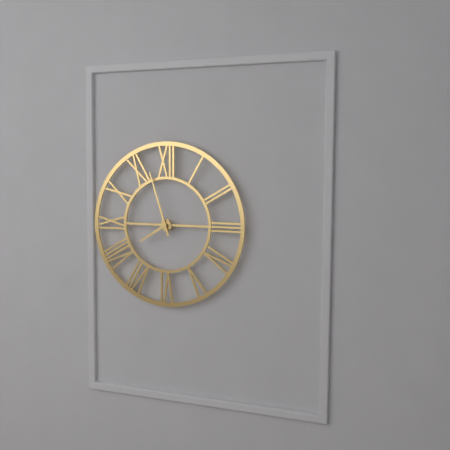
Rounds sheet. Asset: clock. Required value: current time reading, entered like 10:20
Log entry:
7:57
